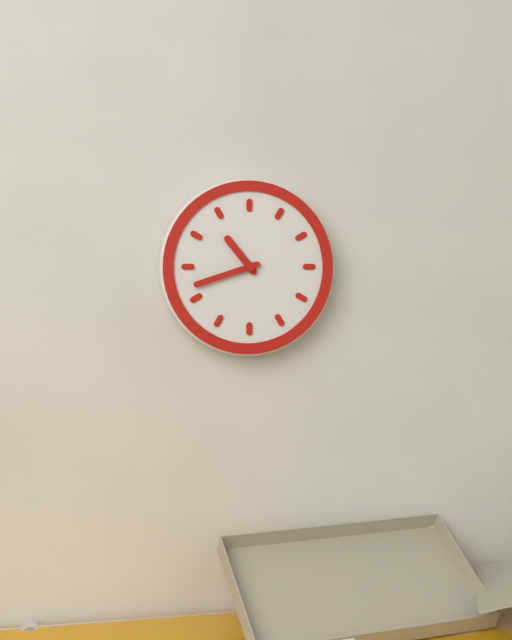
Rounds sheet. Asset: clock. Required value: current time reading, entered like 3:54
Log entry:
10:42
